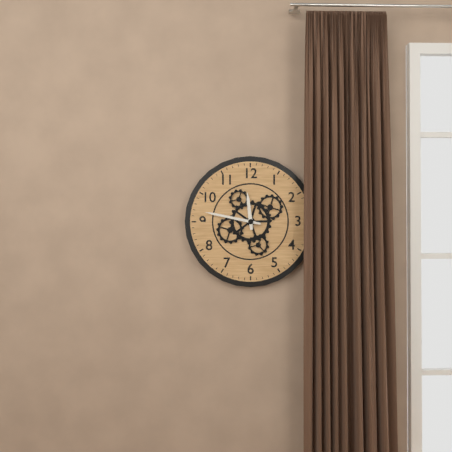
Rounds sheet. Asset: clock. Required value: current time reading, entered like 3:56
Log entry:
11:47
